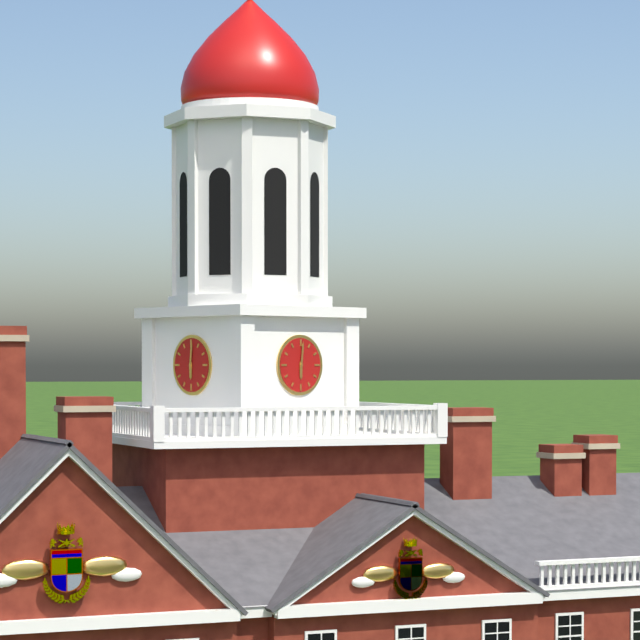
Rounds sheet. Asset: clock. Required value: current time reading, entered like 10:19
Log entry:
6:01
